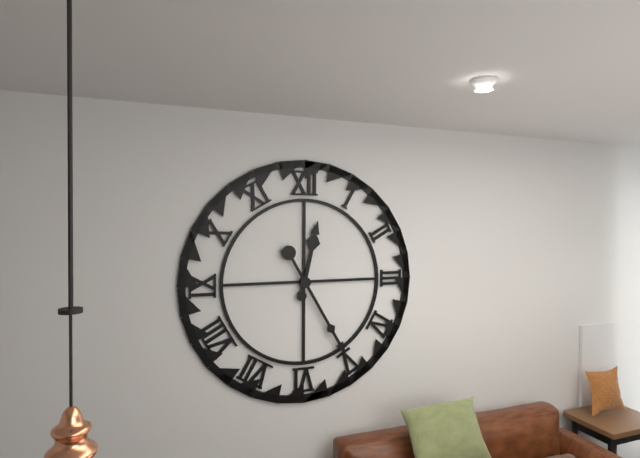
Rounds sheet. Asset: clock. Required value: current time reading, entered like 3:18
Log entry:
12:25
